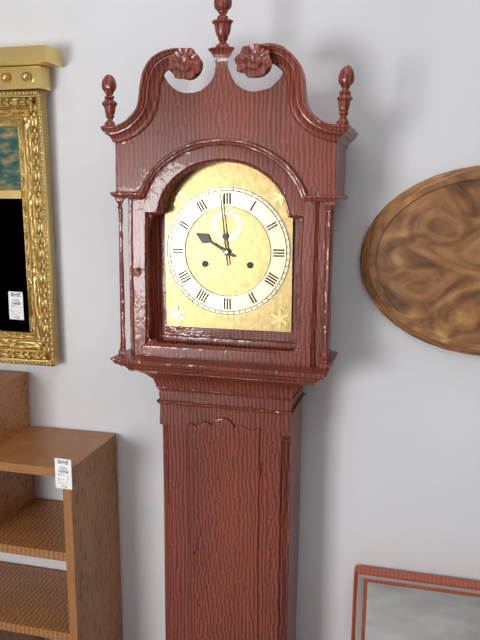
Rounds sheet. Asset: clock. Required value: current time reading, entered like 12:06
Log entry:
9:59
